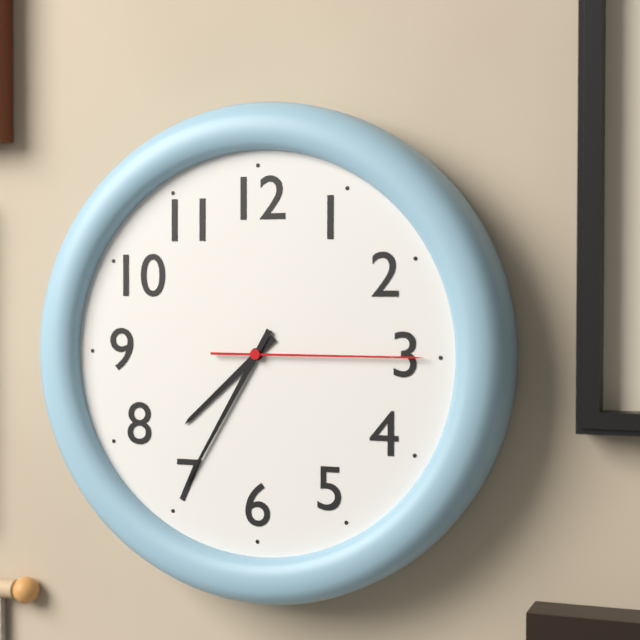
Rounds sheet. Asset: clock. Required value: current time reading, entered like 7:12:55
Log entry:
7:35:15
